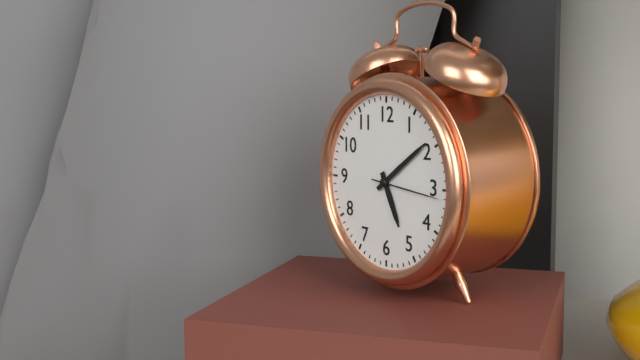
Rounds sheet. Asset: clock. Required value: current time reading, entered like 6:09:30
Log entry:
5:09:16
